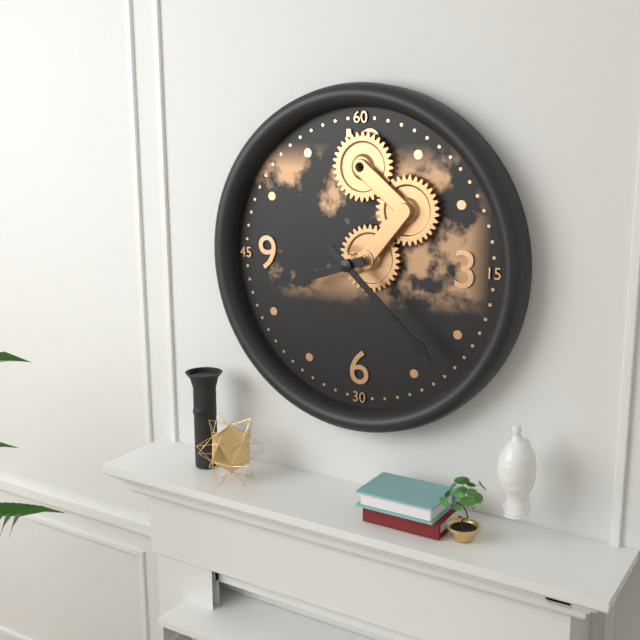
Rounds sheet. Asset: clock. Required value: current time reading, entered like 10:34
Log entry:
8:22
